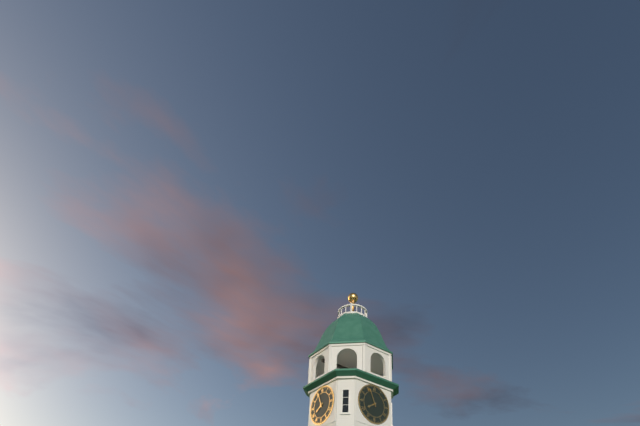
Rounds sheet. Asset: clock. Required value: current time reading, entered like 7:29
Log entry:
7:56
